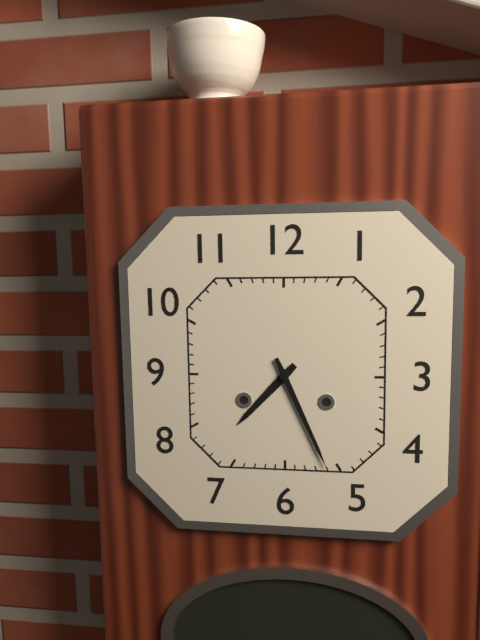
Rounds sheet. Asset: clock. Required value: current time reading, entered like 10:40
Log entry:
7:26
